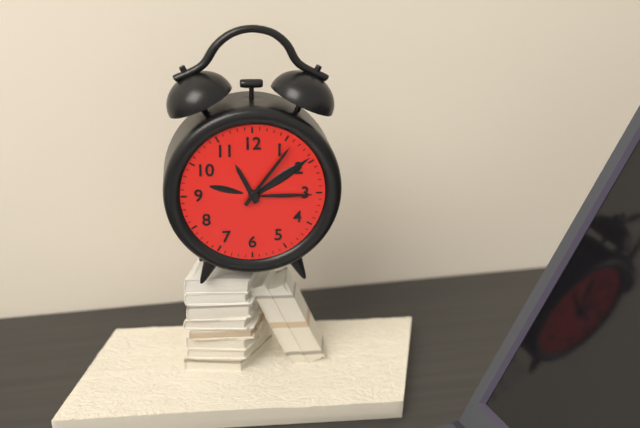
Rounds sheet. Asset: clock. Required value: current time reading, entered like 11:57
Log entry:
11:06
